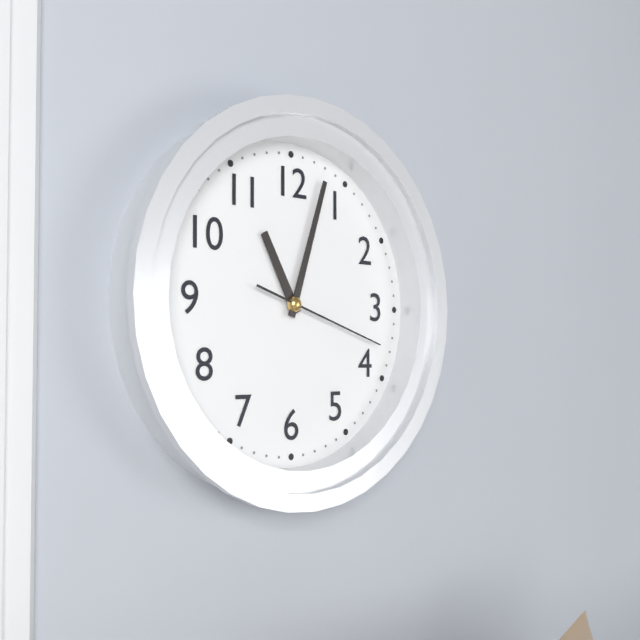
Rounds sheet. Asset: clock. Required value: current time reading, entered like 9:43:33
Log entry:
11:03:18
